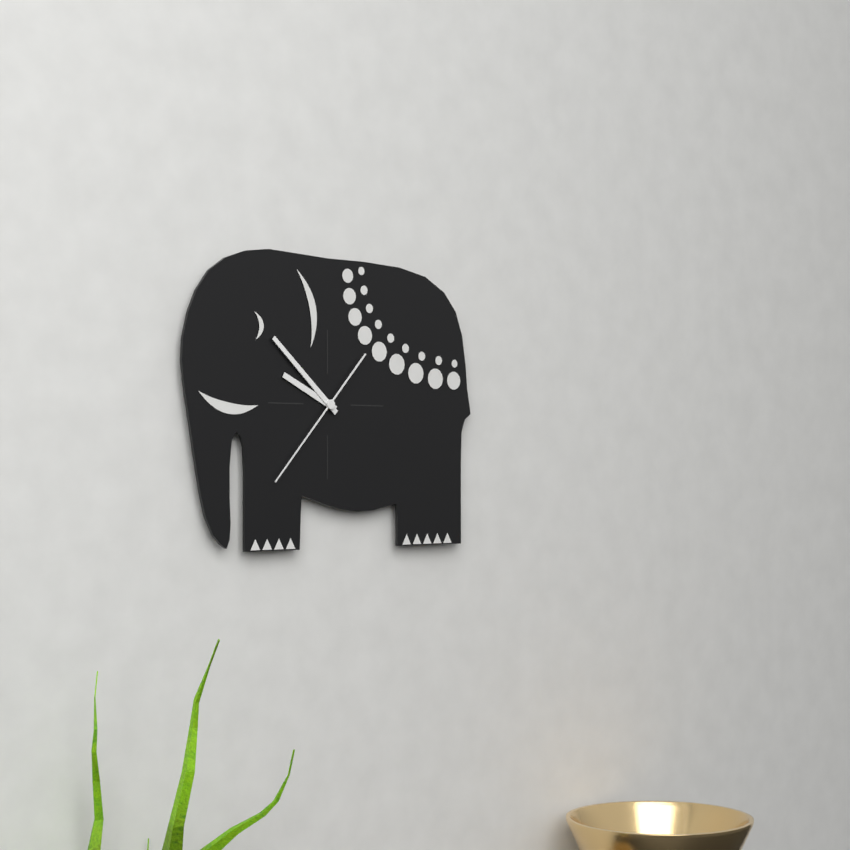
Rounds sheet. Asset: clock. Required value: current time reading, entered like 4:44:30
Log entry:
9:52:37
